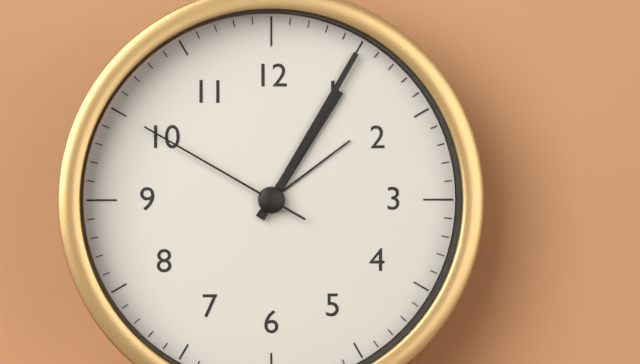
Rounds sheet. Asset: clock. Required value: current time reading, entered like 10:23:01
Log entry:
1:05:50
